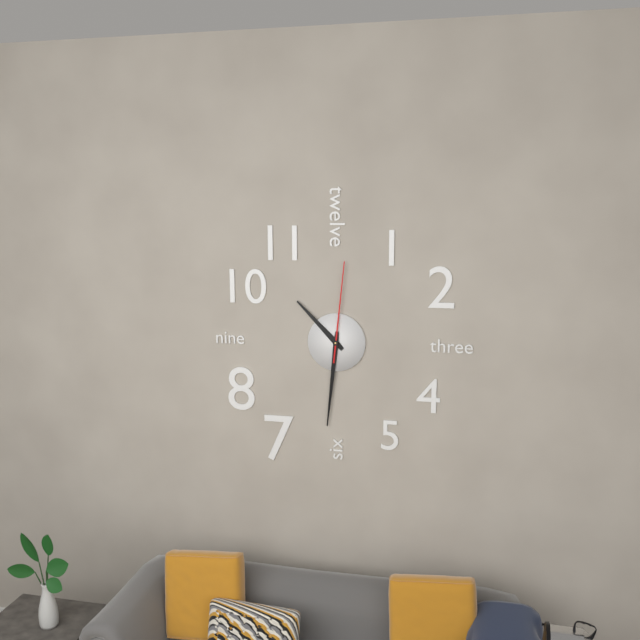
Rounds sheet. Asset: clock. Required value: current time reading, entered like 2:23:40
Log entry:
10:31:01
